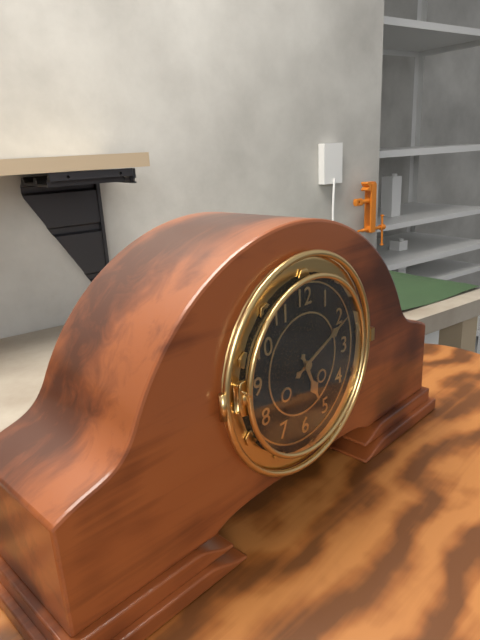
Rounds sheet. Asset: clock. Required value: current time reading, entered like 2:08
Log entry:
5:11
